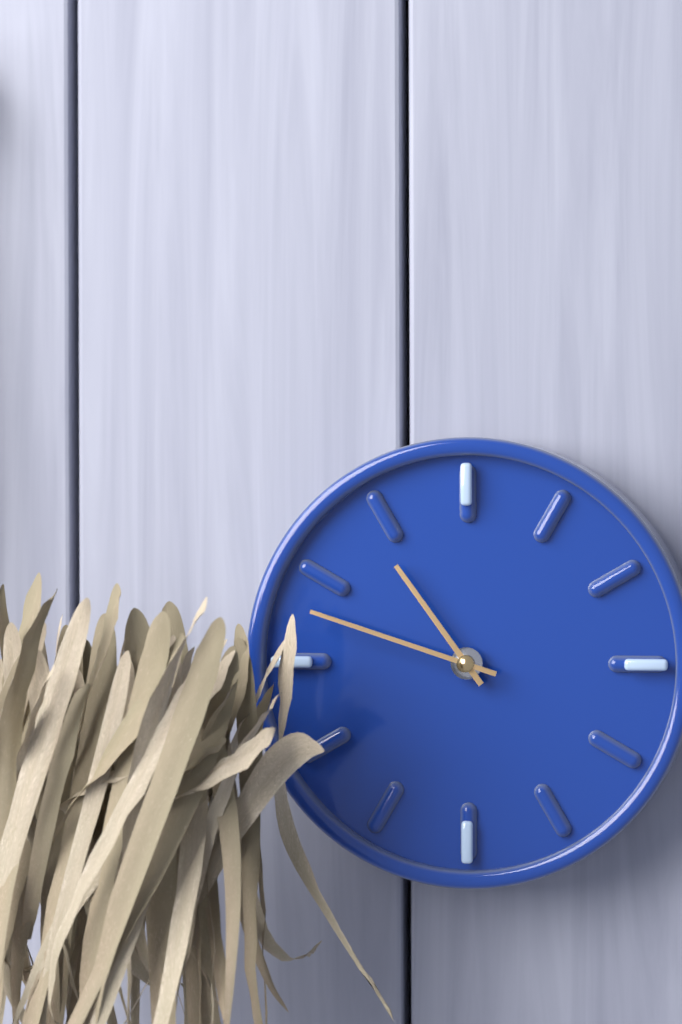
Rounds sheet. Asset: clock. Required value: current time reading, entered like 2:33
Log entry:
10:48
